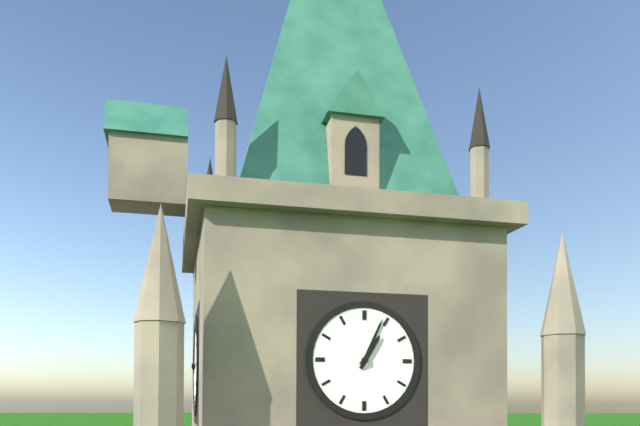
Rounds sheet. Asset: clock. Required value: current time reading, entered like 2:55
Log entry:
1:04
